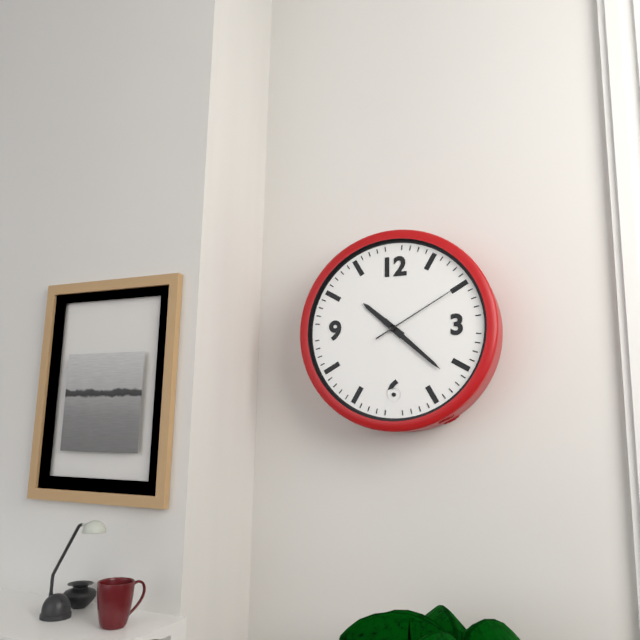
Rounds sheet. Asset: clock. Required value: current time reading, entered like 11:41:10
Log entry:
10:22:10
